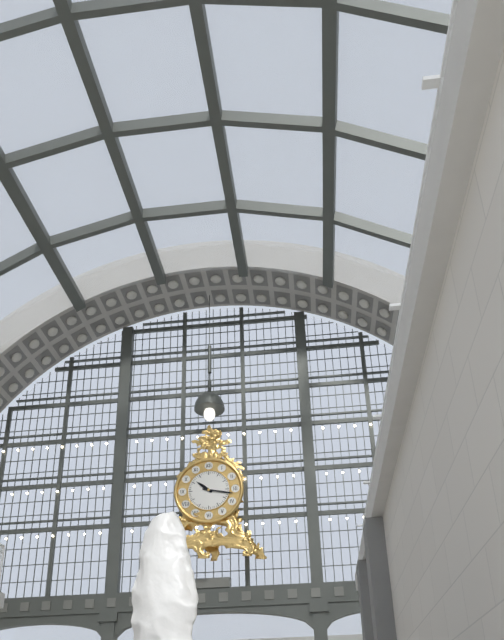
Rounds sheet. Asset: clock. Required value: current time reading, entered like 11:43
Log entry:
10:17
